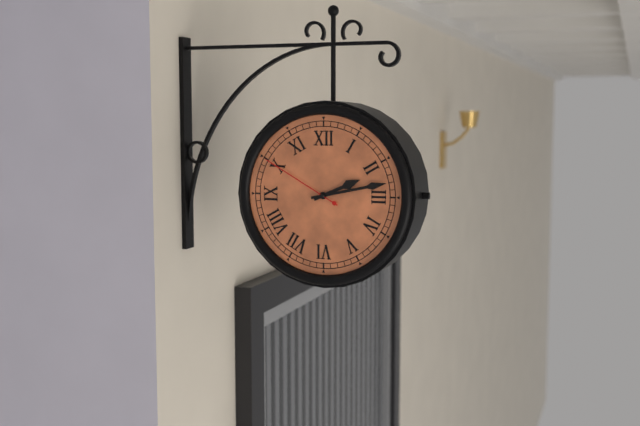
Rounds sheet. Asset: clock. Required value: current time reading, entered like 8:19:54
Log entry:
2:13:50
